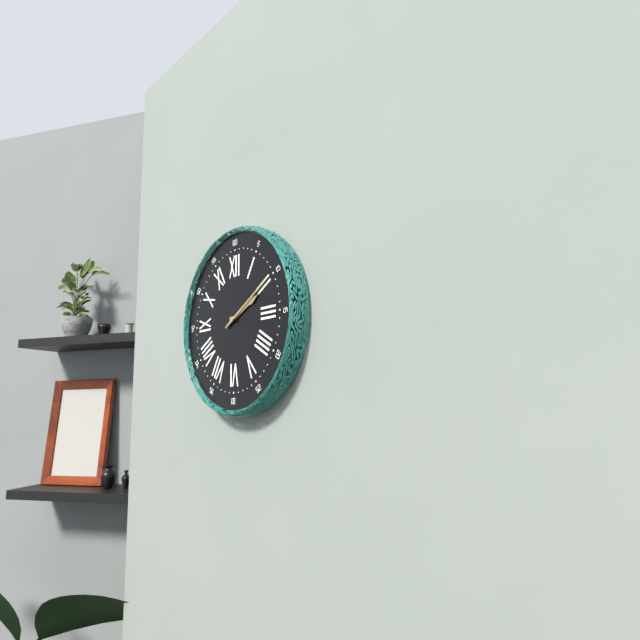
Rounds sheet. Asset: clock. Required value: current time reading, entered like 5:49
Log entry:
2:10
